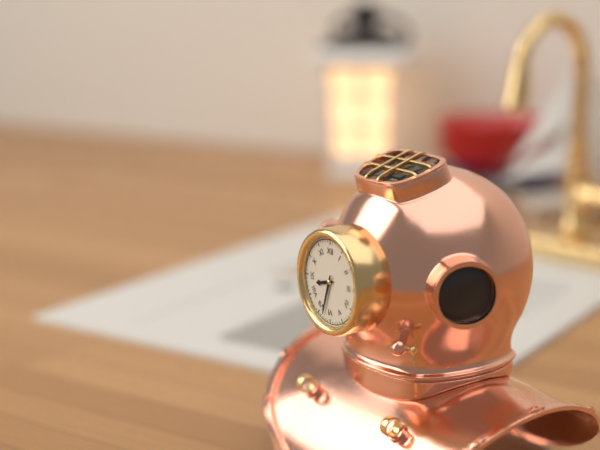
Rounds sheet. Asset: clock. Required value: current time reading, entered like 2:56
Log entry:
8:33
